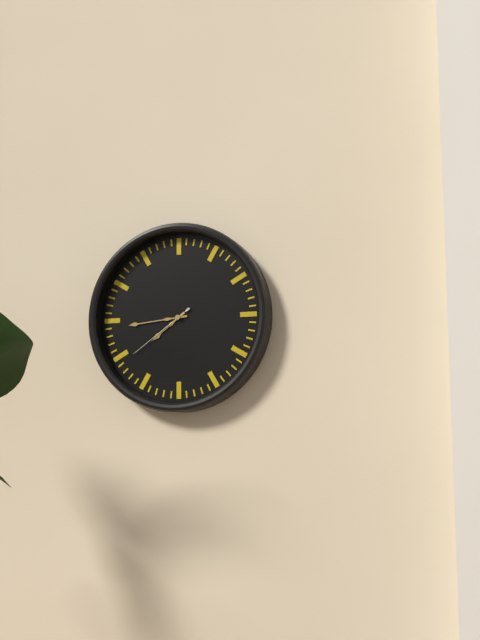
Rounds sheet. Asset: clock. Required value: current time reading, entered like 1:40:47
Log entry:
7:44:39
